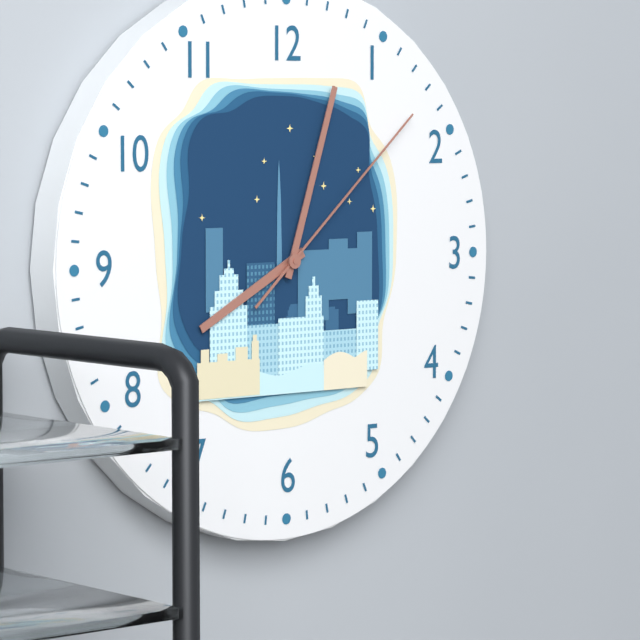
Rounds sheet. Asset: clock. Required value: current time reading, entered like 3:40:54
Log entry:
8:03:08
